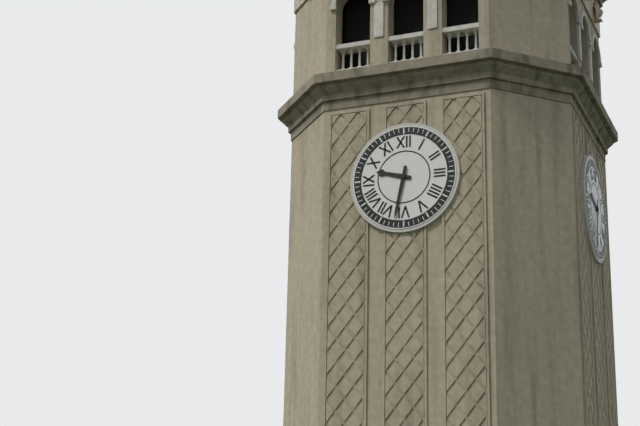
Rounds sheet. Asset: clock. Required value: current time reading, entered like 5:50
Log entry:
9:32
